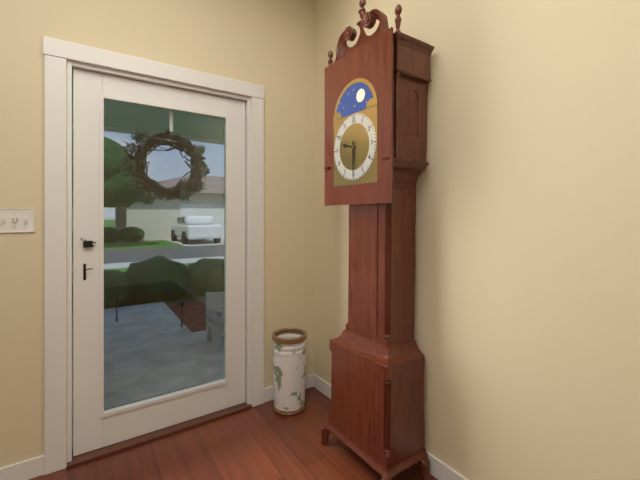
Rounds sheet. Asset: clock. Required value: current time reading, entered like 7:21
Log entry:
9:30
